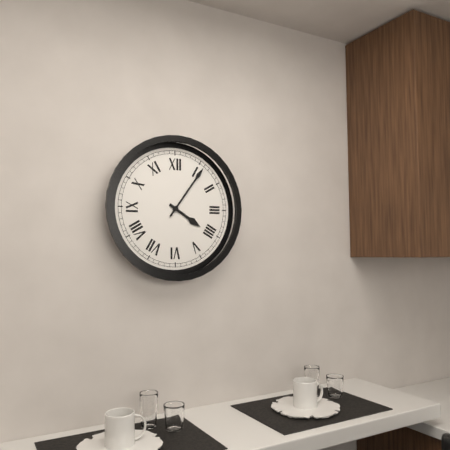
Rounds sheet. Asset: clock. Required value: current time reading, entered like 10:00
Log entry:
4:06
